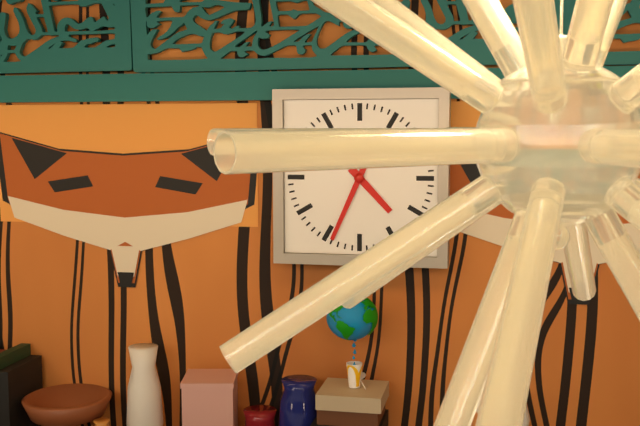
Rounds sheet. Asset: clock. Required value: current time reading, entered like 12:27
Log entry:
4:34
